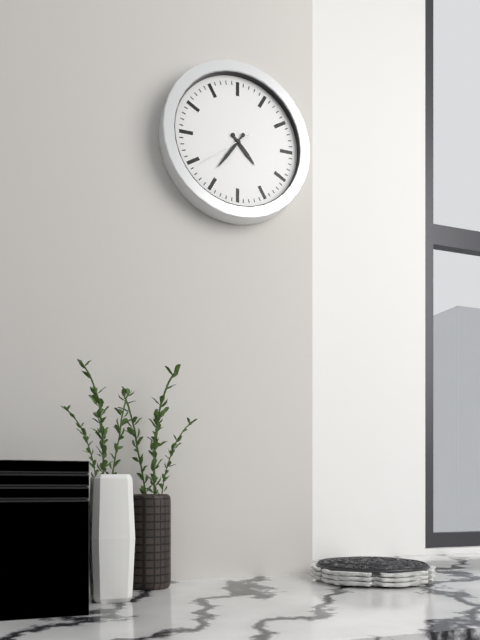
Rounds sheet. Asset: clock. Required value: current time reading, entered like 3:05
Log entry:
4:36
